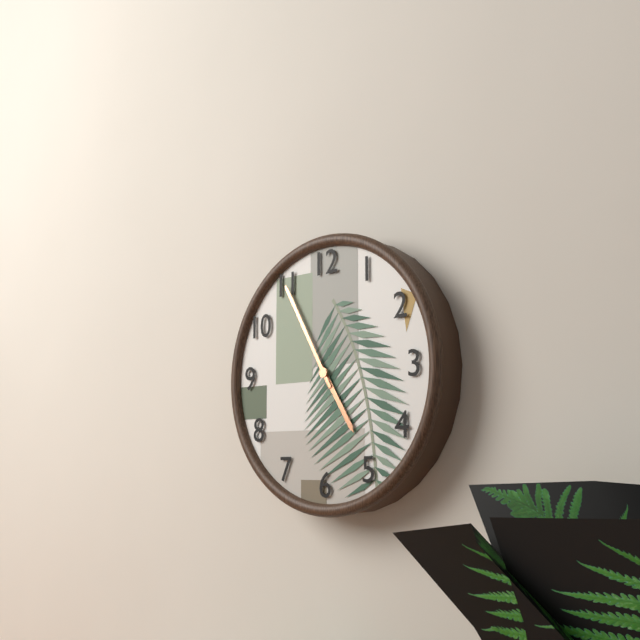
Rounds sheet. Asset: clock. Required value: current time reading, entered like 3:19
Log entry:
4:55
